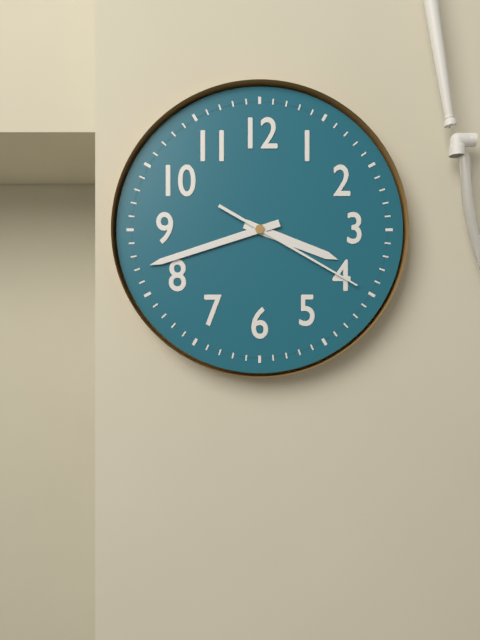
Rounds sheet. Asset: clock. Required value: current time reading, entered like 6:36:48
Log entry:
3:42:20
